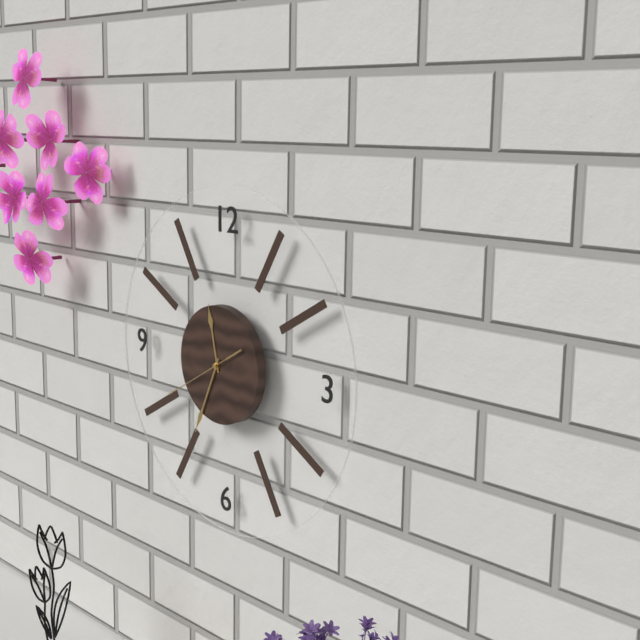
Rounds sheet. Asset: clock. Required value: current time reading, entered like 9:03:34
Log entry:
11:34:40
